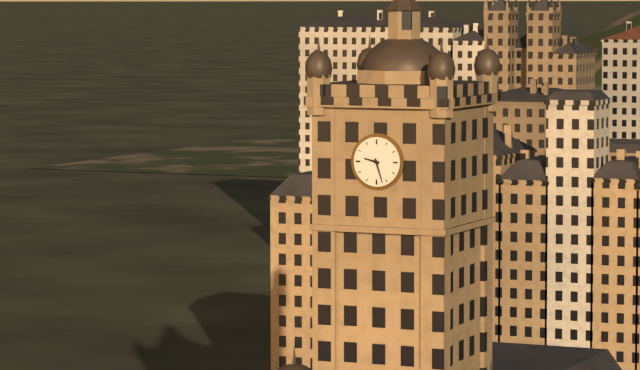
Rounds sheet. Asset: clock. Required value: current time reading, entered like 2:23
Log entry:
9:27
